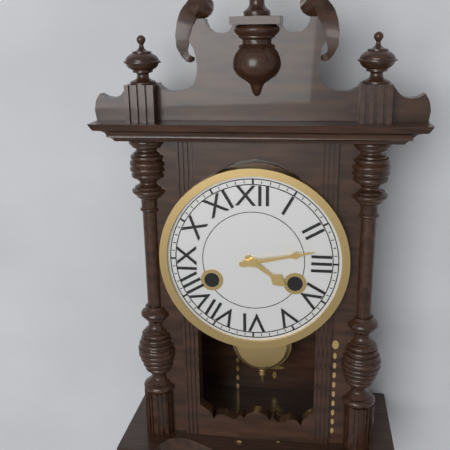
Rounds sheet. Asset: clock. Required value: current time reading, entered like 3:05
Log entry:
4:13
